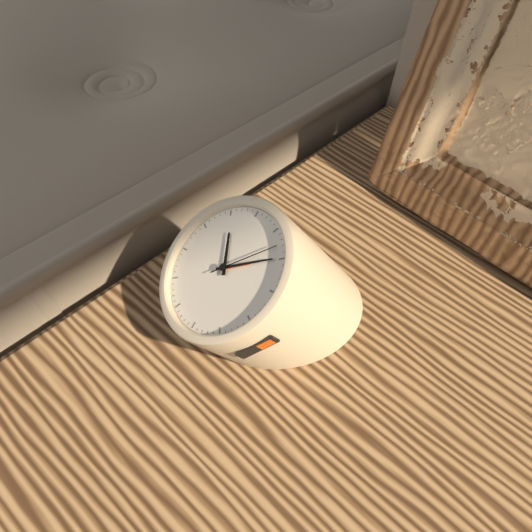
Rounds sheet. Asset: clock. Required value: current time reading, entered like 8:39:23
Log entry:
10:05:03
